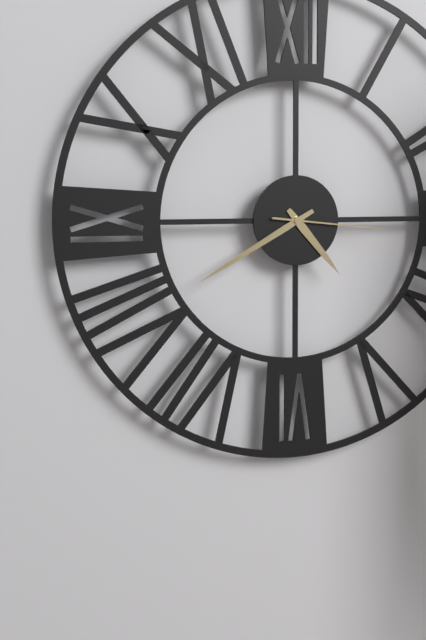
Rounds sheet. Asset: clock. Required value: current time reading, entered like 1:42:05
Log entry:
4:40:16
